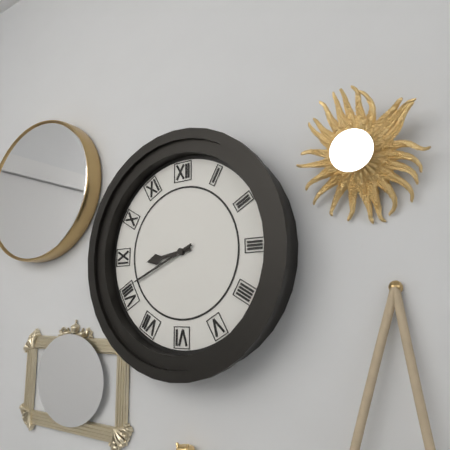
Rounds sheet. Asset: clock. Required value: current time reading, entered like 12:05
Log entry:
8:41
